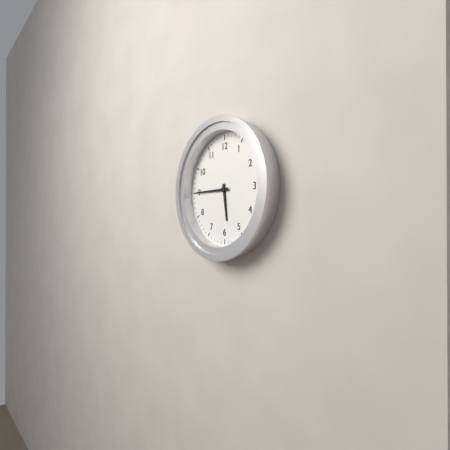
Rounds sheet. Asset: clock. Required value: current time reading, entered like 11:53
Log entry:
5:45
